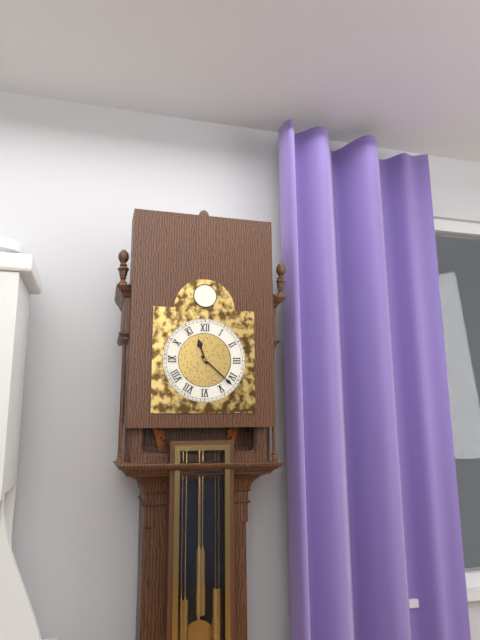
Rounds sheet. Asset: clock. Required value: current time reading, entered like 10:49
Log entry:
11:22
